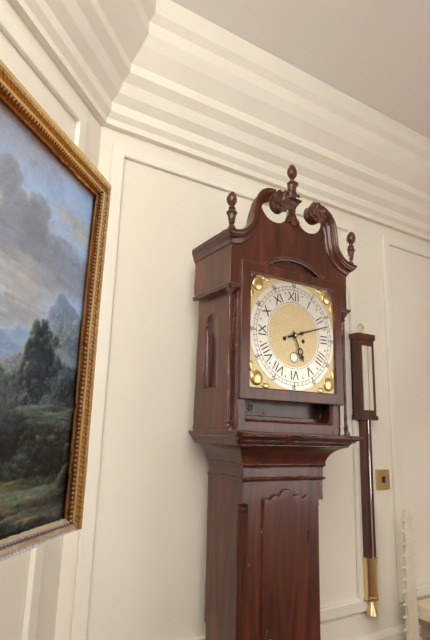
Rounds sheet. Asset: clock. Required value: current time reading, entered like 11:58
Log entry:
5:12
